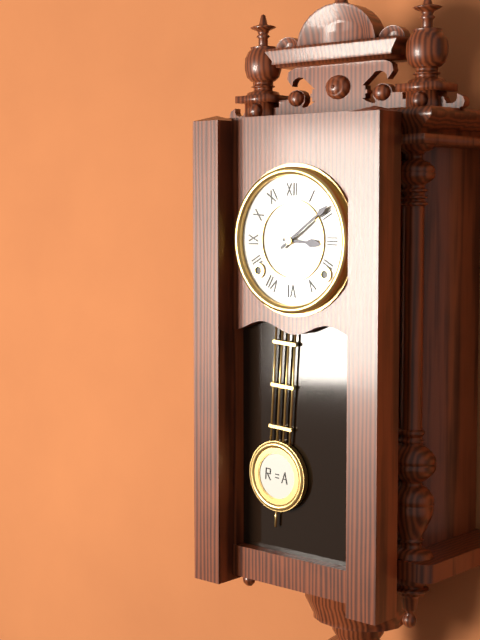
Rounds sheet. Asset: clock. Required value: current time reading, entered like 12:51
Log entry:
3:09
